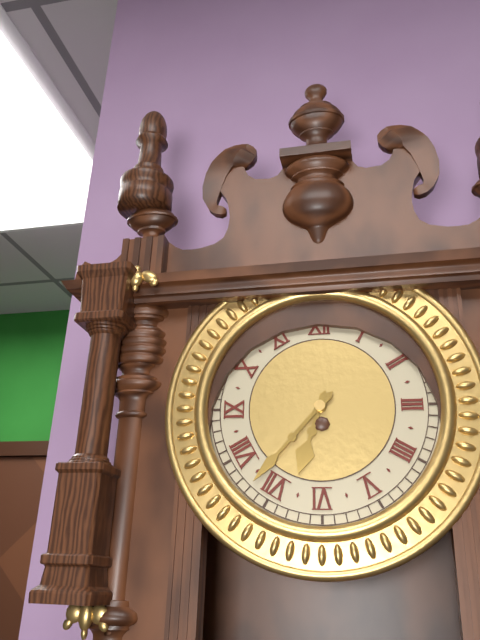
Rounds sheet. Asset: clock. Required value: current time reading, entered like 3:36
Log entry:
6:37
